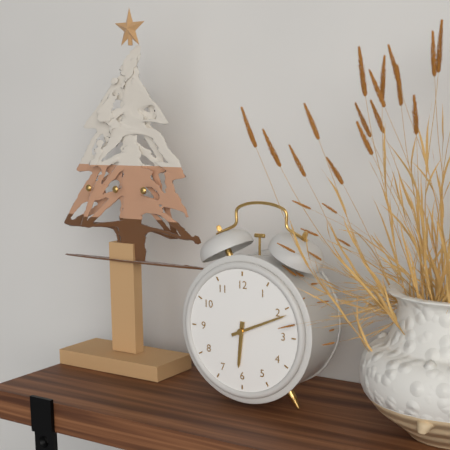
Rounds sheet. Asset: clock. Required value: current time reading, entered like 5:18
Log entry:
6:11
